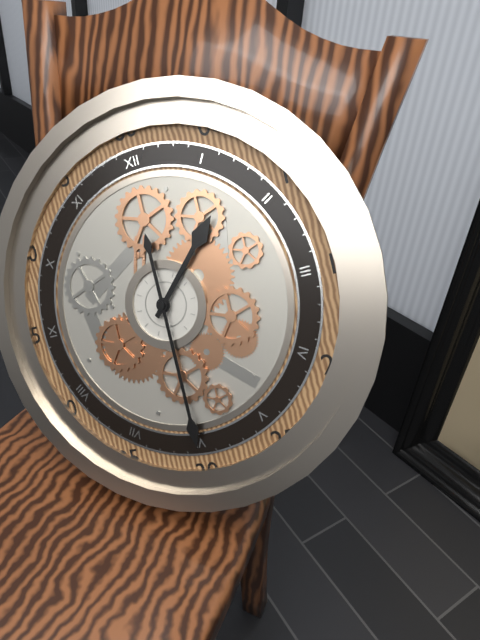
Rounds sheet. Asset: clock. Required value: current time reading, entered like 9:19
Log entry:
1:30
